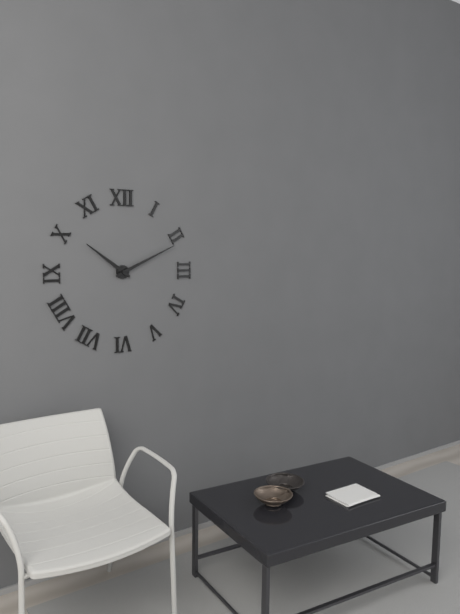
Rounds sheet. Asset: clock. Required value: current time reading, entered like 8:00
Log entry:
10:11
